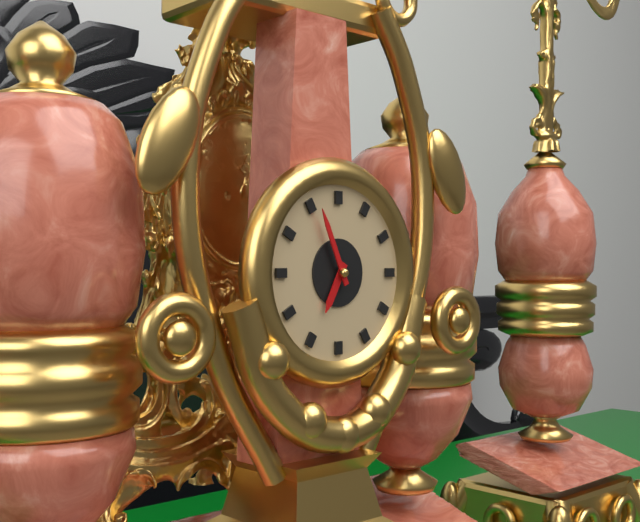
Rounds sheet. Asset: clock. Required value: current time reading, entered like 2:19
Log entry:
6:56
